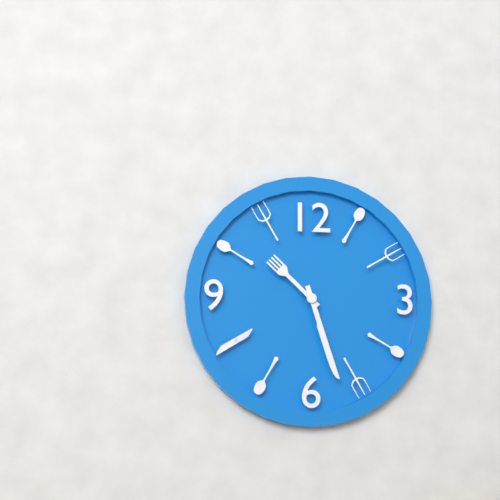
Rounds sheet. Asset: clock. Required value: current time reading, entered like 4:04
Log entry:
10:27
